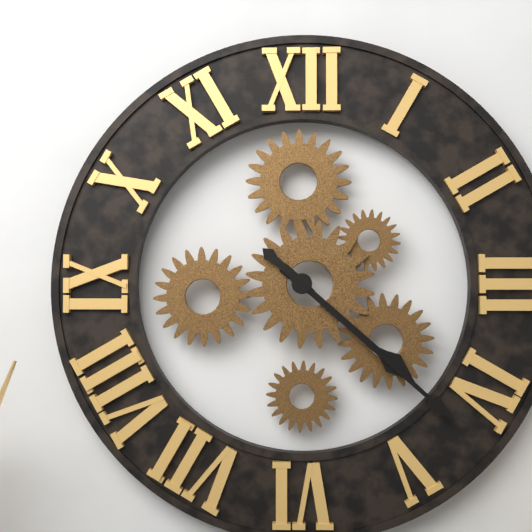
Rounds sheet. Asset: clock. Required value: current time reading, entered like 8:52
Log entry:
4:22
